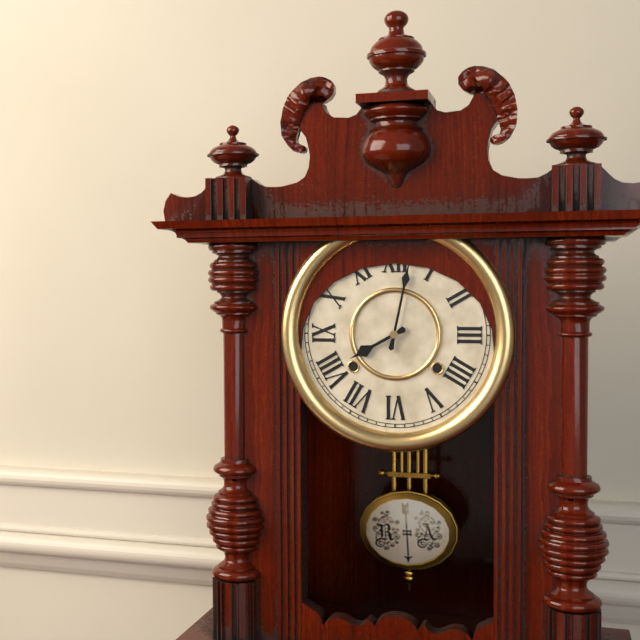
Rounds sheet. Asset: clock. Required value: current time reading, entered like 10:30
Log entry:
8:02
